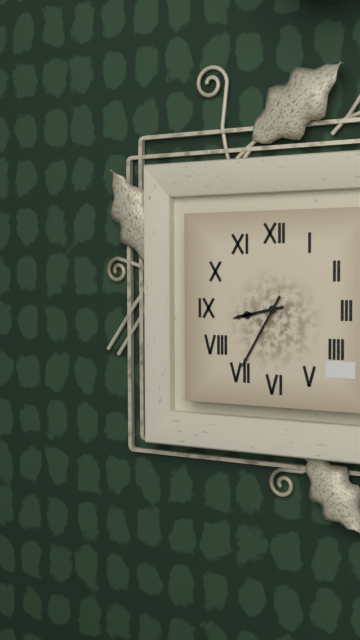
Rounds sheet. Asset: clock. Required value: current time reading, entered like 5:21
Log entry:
8:35
